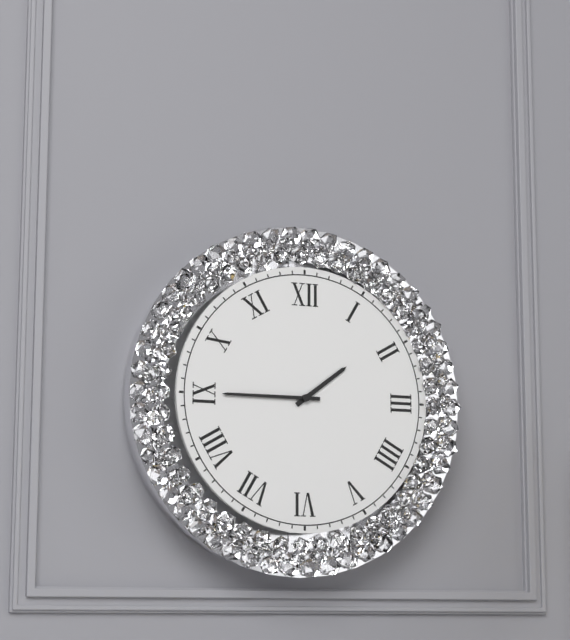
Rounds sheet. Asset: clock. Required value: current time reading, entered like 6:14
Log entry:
1:45
